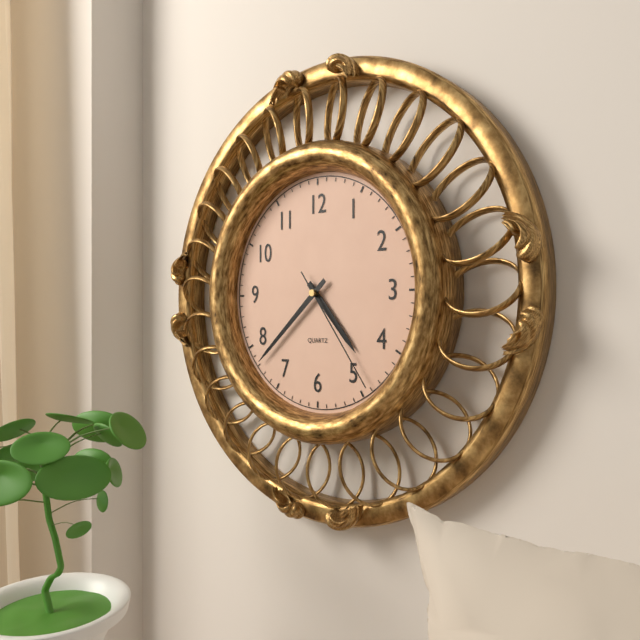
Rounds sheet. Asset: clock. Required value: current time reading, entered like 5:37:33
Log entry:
4:38:24
